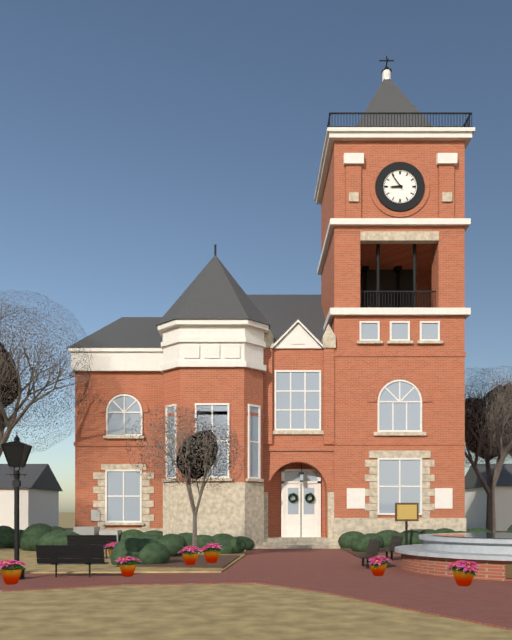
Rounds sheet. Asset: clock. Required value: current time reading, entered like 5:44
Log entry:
8:54
